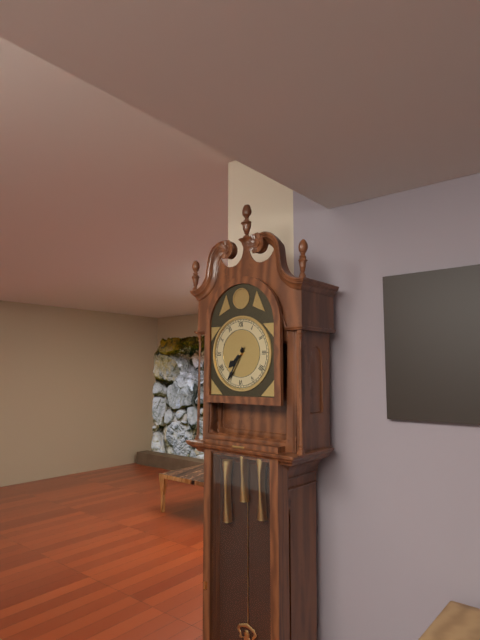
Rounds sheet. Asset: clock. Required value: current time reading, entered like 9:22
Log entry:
7:35
